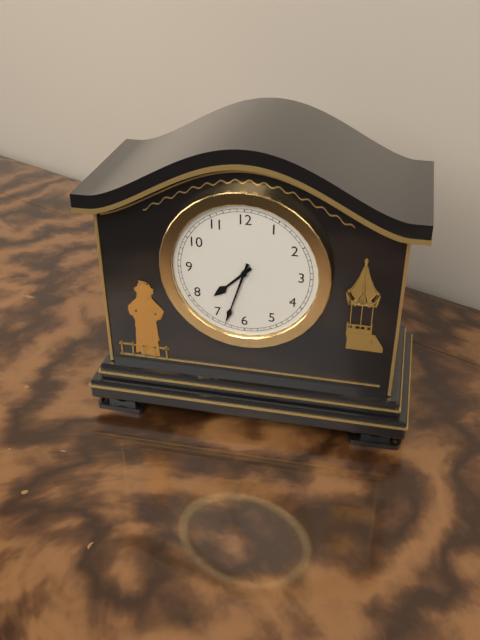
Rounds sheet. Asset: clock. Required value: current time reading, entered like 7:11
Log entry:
7:33
